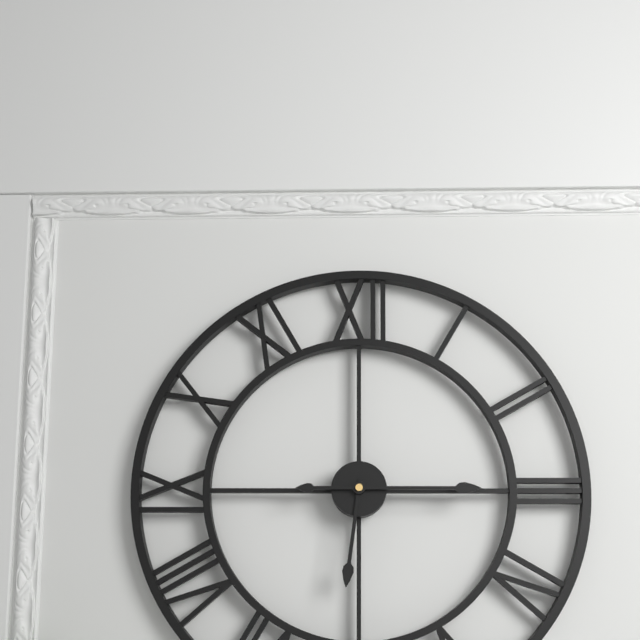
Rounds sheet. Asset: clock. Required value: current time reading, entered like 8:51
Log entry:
6:15
